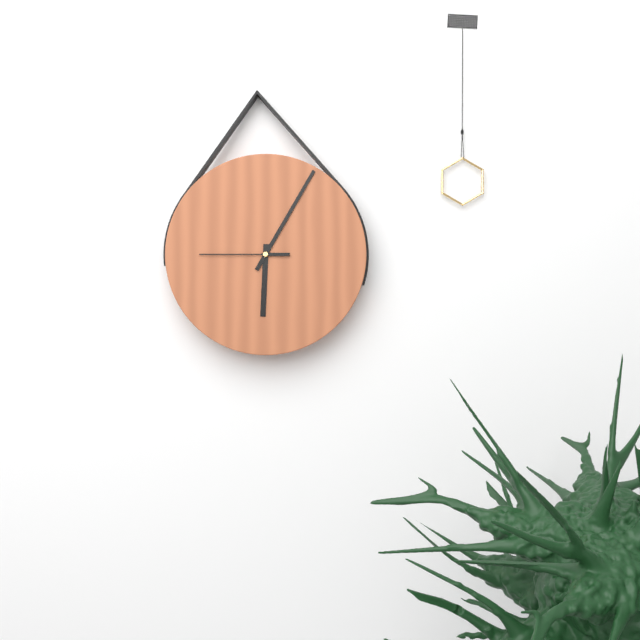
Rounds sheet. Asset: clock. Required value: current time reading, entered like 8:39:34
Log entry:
6:05:45
